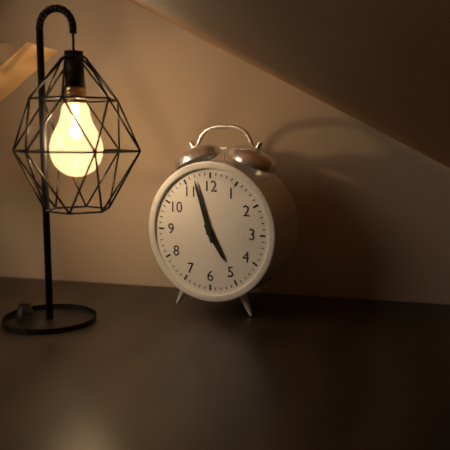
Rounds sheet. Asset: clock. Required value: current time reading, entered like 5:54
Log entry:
4:57
